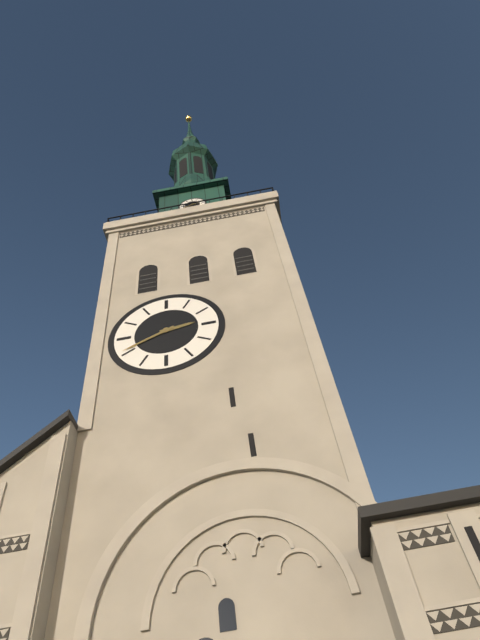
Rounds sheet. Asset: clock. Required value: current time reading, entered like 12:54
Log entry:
2:41
